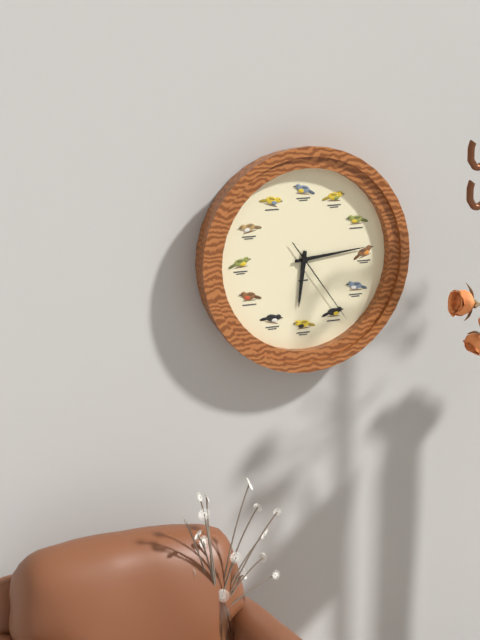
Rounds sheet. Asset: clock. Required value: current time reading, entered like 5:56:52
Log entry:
6:14:24
